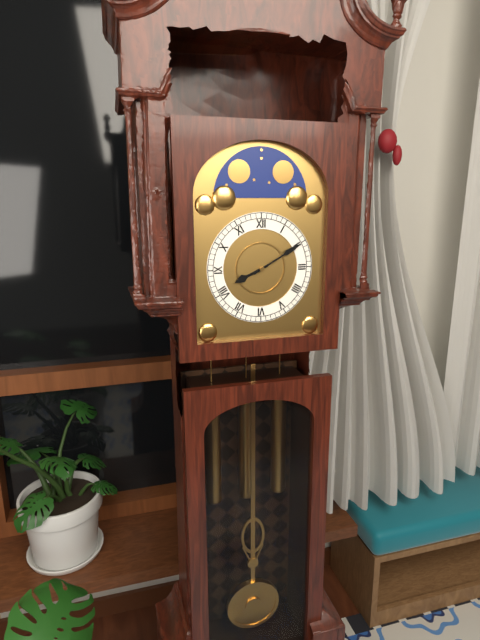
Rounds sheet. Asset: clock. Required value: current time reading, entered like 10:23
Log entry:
8:10
